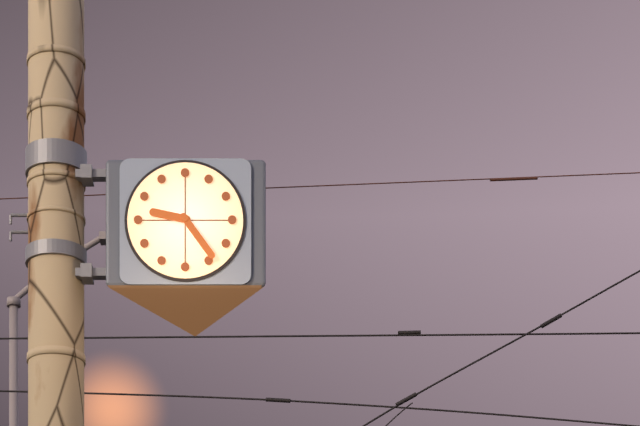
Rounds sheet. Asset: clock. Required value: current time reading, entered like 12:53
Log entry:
9:24
